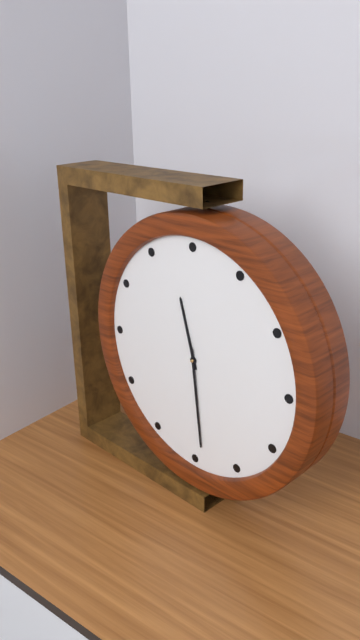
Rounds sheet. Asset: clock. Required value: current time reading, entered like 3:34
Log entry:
11:29
